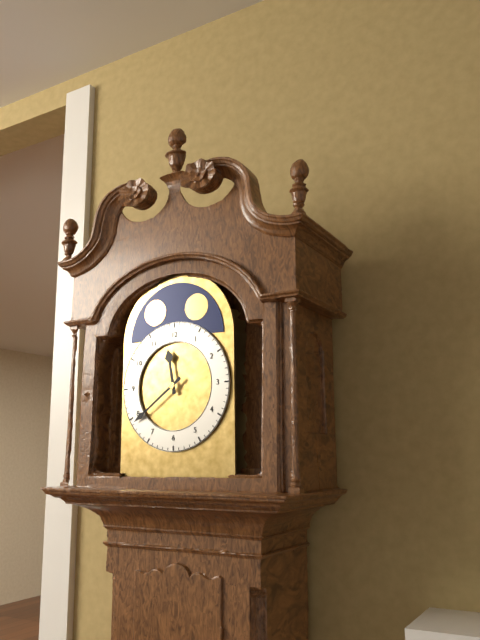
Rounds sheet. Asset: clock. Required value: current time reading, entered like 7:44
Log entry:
11:39
